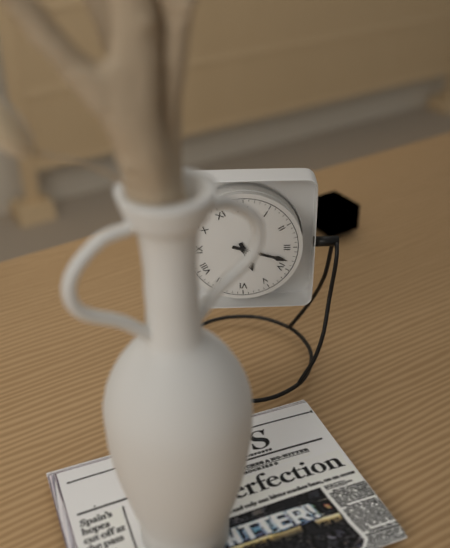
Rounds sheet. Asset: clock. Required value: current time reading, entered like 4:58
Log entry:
5:18
